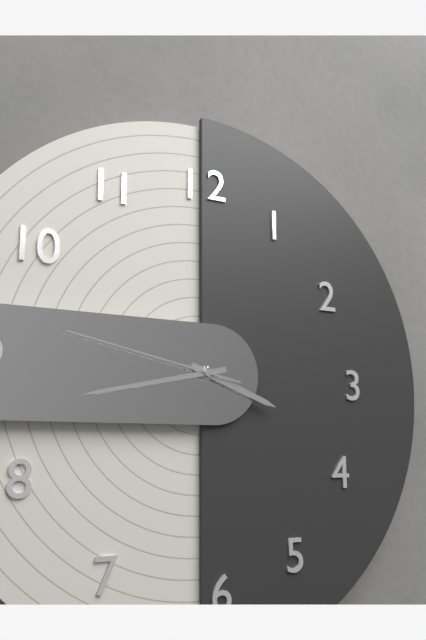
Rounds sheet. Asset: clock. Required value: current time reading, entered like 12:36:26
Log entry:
3:43:47
